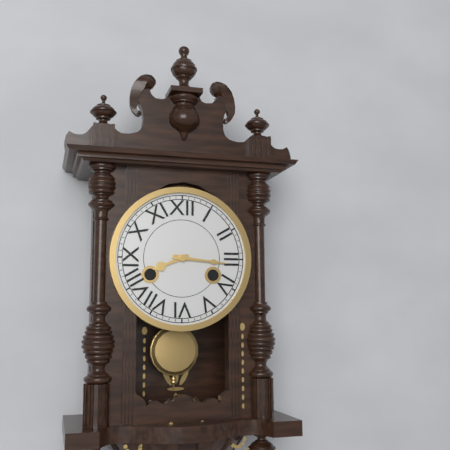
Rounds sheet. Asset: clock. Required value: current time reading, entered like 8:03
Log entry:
8:16
